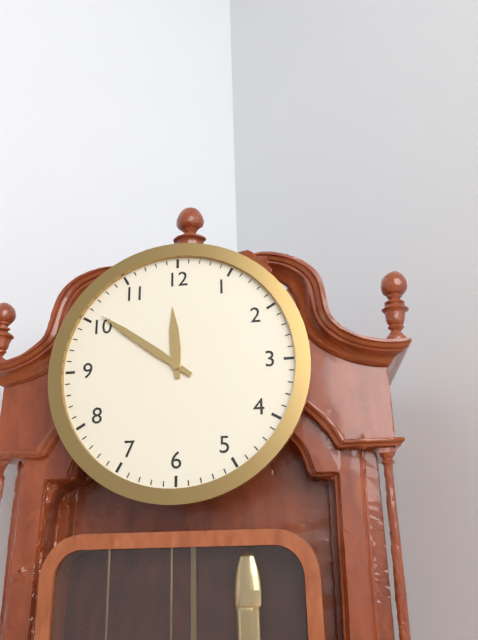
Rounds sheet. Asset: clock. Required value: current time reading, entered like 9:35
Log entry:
11:51
